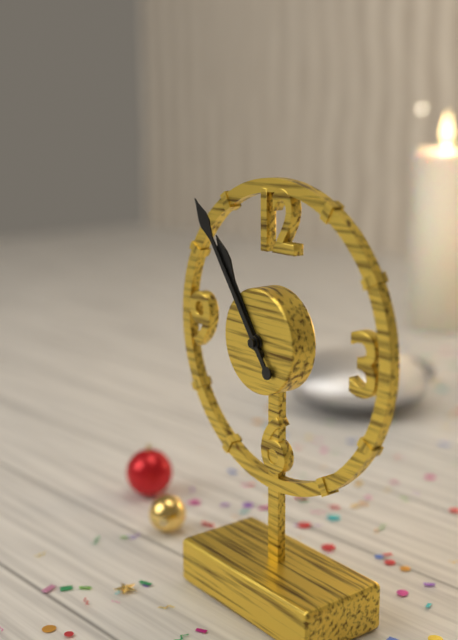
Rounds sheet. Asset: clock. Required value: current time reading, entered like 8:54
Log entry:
10:54
